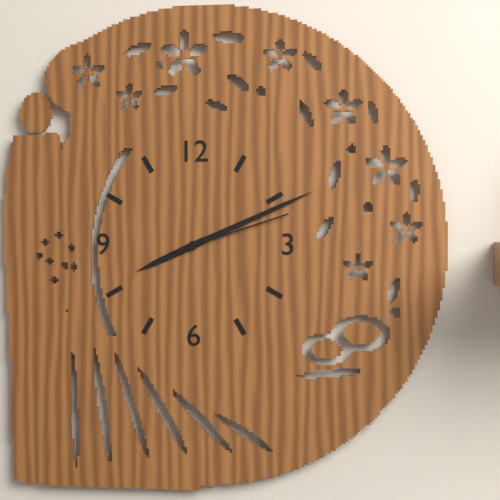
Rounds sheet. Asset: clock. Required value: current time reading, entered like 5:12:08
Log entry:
8:11:12
